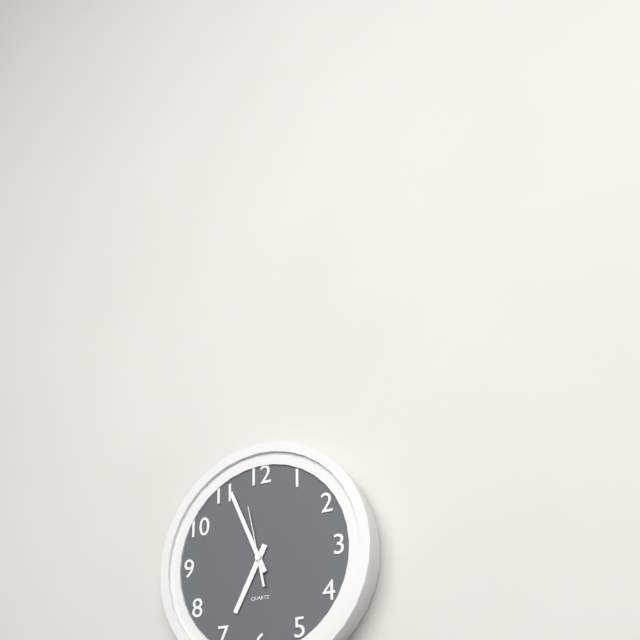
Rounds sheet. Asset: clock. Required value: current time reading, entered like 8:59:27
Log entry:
6:56:58
